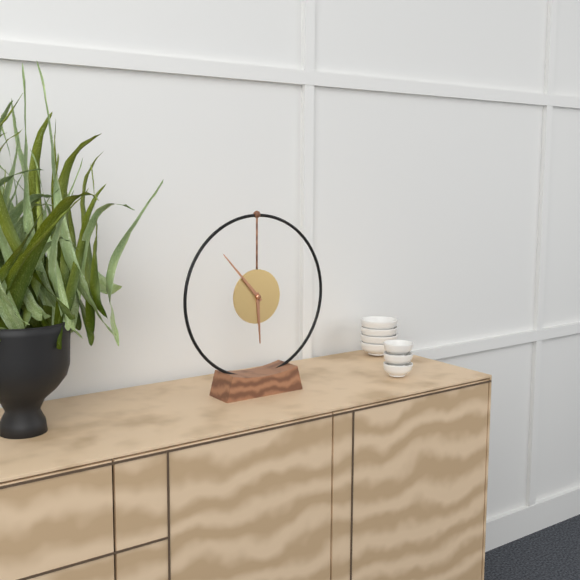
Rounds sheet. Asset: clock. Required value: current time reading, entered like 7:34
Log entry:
5:53
